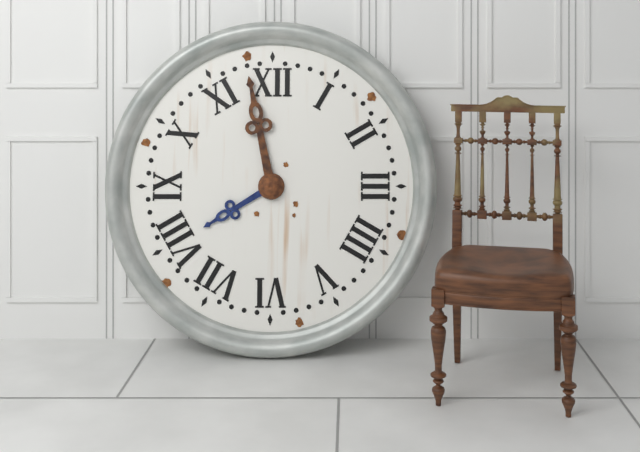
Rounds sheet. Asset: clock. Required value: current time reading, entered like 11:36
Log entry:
7:58
